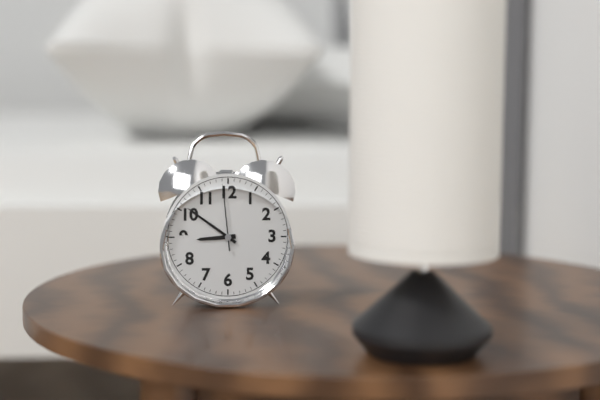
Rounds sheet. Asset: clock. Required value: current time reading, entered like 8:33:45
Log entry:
8:51:59
